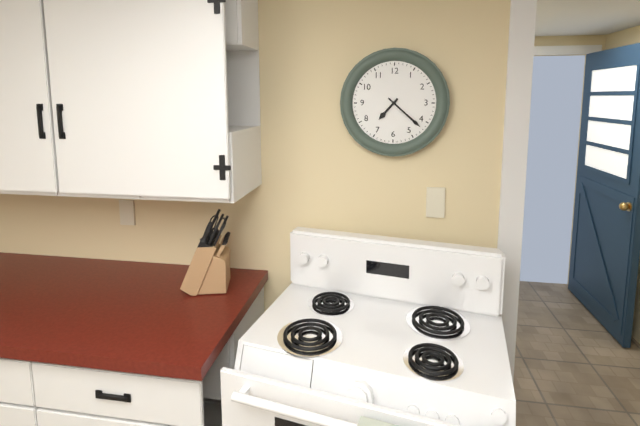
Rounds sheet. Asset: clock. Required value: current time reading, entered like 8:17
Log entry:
7:22
